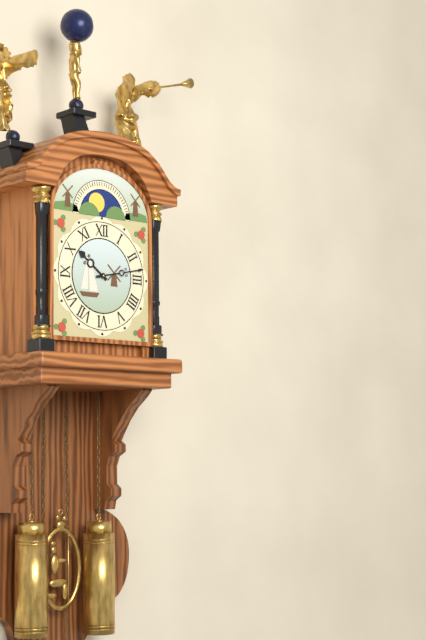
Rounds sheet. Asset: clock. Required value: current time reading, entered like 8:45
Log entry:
10:13
